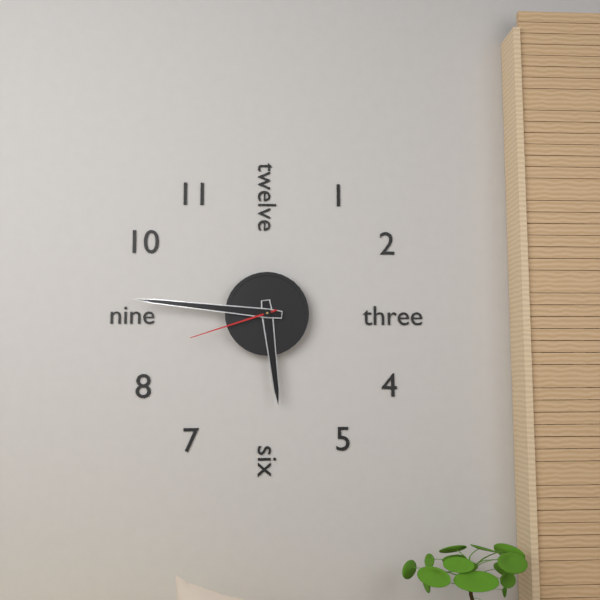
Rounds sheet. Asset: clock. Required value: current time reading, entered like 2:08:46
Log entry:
5:46:42
